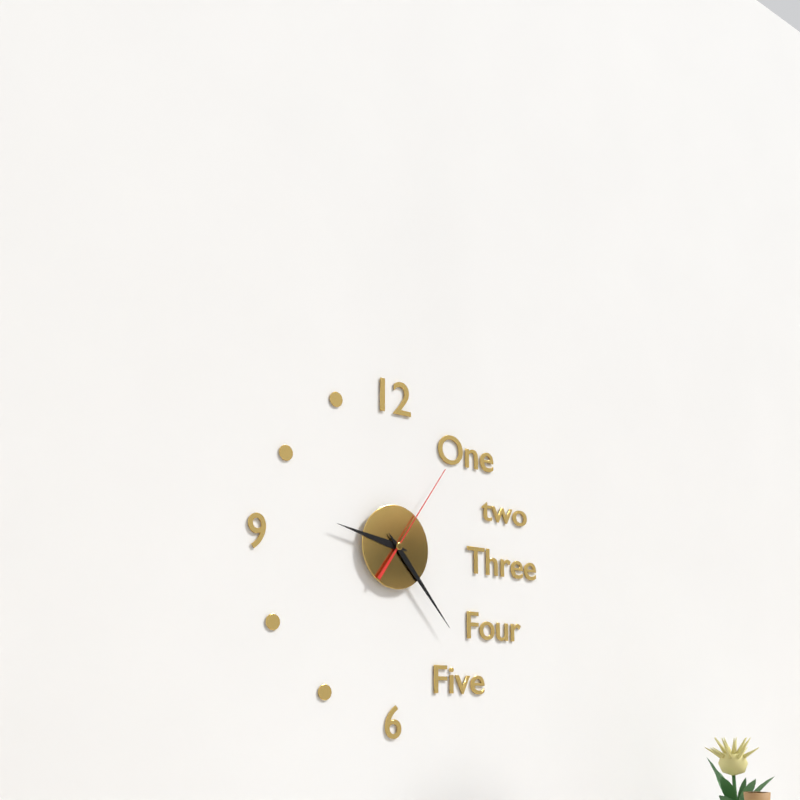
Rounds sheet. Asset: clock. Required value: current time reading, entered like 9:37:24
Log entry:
9:23:06
